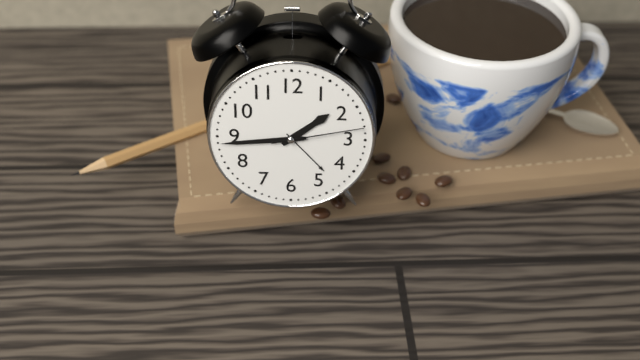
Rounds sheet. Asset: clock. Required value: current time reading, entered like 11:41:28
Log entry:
1:44:13
